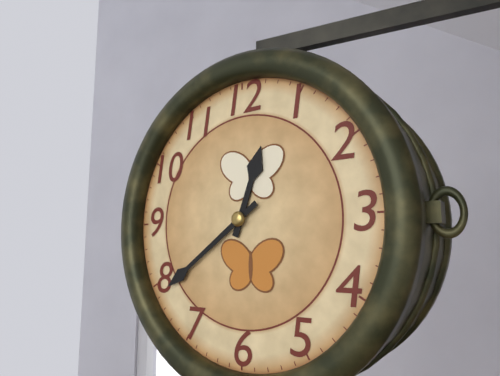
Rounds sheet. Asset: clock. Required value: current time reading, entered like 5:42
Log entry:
12:39
